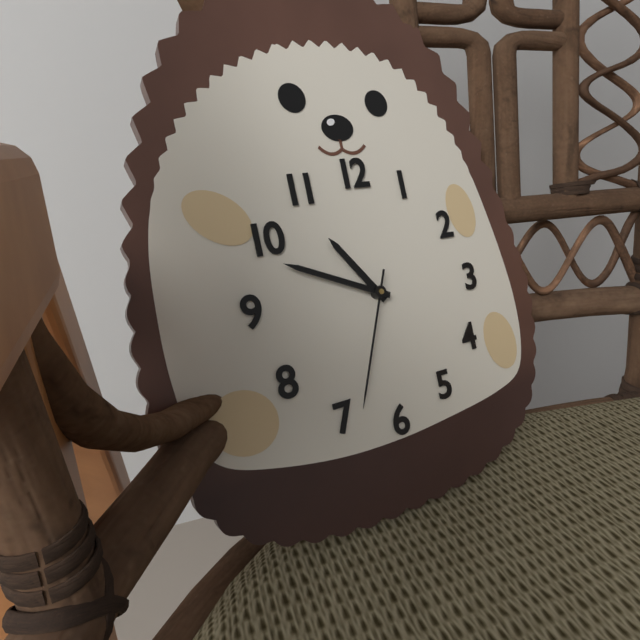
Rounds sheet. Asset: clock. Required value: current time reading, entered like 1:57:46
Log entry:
10:49:34
